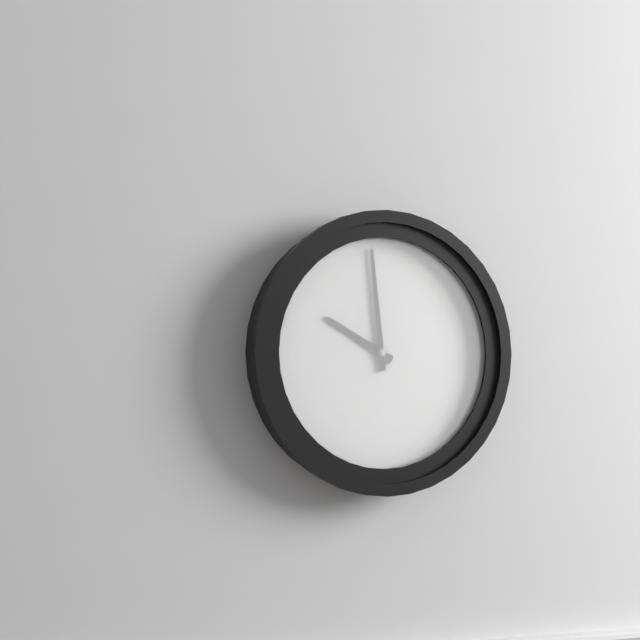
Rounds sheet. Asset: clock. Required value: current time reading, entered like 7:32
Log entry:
9:59
